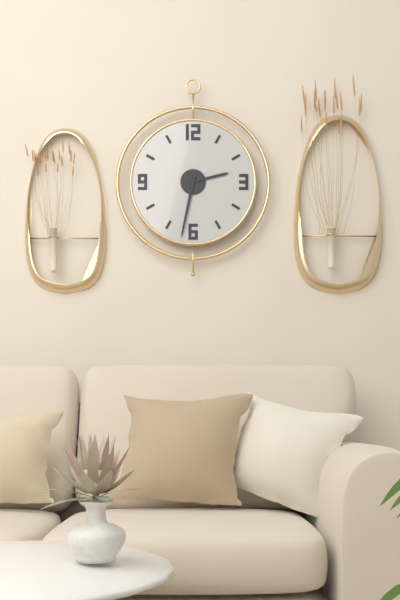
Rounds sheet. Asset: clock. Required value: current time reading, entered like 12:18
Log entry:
2:32
